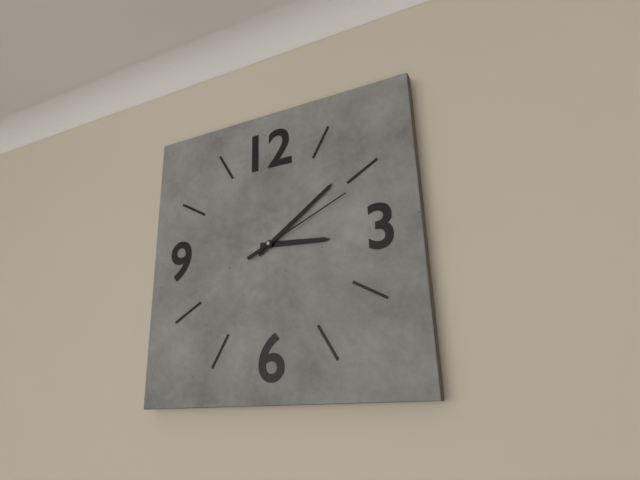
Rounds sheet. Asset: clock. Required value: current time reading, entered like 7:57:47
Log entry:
3:09:11
